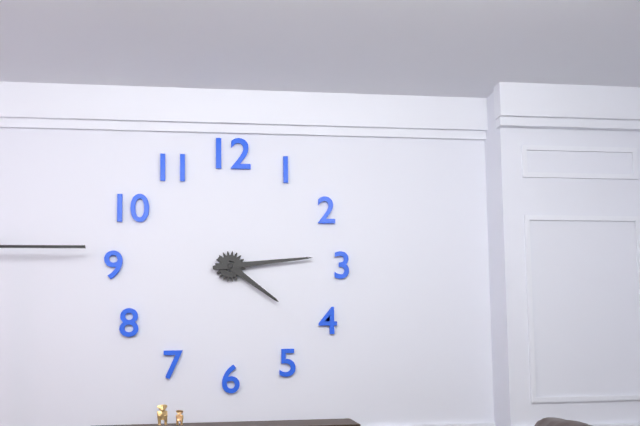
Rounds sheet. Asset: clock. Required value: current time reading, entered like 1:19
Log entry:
4:14
